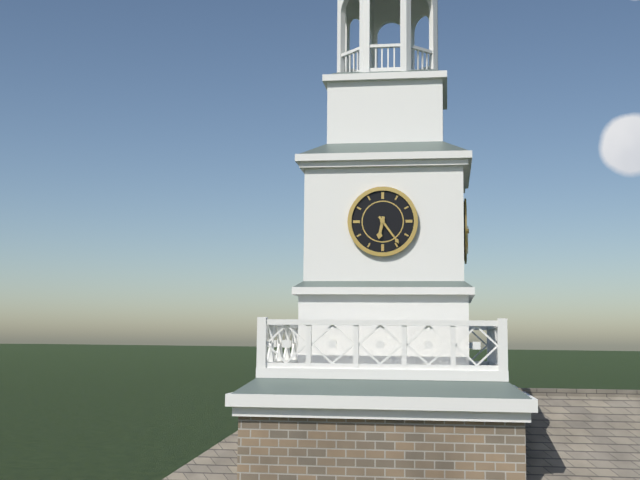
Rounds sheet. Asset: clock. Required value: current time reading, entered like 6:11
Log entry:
6:24
